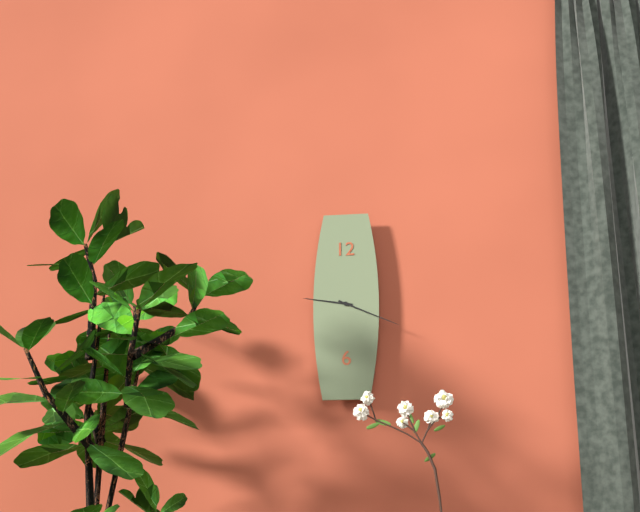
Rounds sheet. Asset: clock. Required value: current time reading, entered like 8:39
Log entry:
9:19
